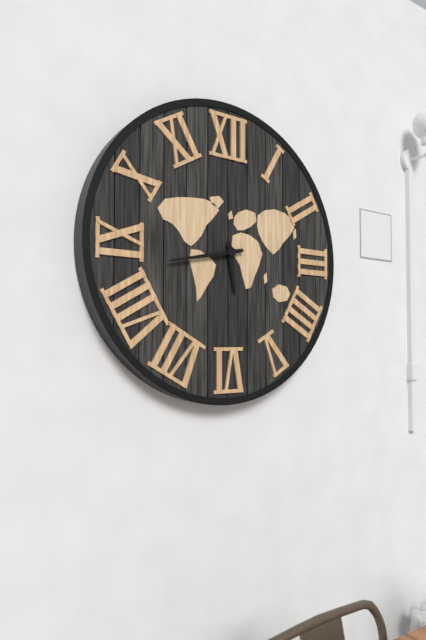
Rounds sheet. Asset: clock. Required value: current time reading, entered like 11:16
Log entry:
5:43
